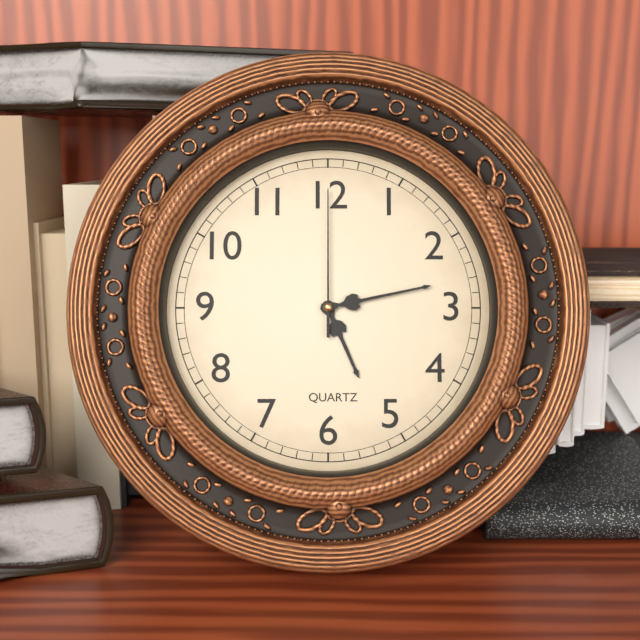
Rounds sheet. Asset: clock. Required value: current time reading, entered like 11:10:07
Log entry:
5:13:00
